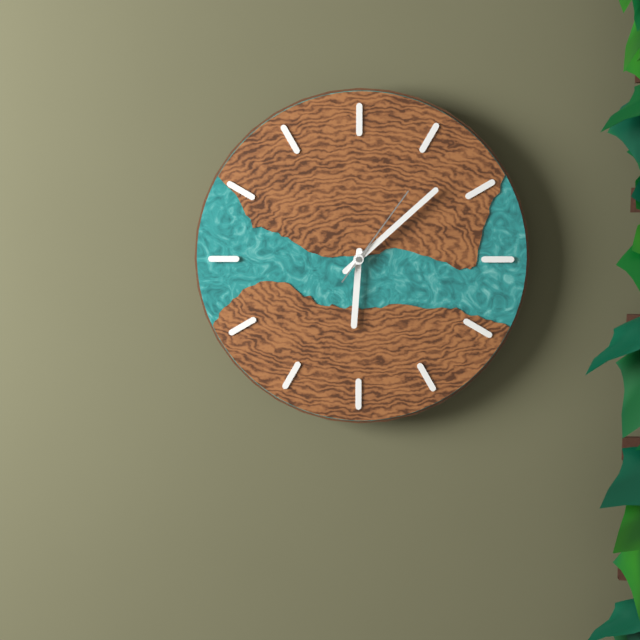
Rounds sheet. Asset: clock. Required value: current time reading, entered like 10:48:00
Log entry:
6:08:06
